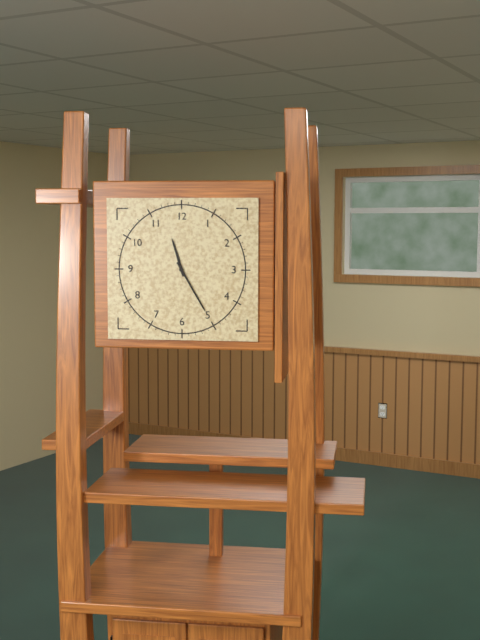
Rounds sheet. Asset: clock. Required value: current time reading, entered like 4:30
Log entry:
11:25
